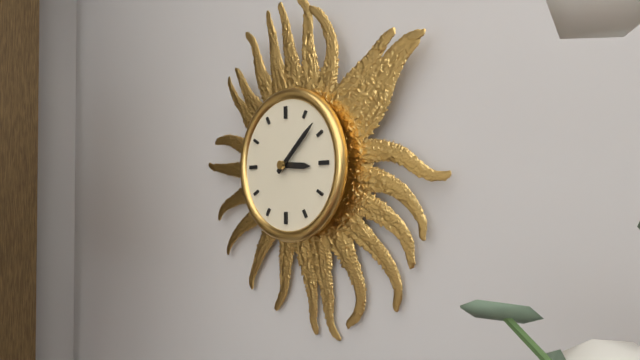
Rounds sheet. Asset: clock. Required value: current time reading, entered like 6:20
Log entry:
3:08
